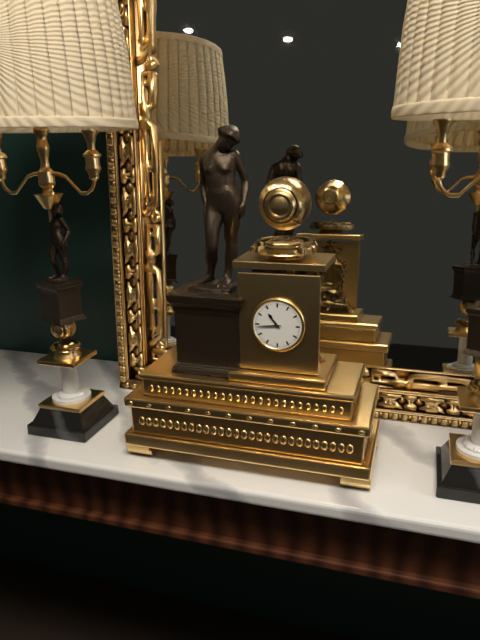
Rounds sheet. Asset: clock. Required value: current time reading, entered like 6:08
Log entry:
10:44
